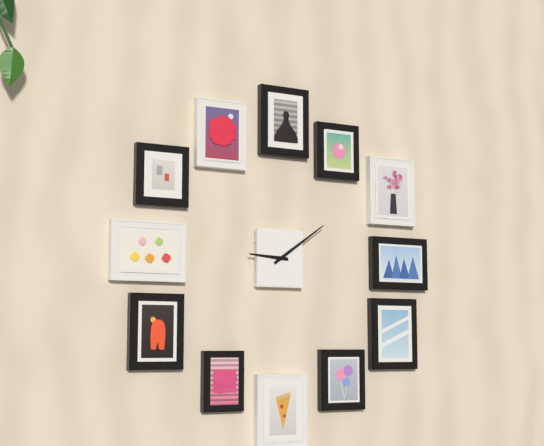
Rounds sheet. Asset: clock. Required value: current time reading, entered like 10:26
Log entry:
9:09
